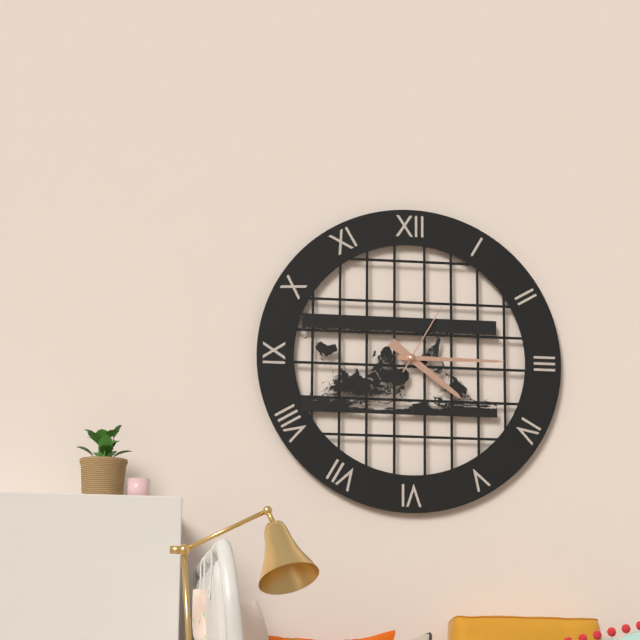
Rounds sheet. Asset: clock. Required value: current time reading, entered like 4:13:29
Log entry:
4:15:05
